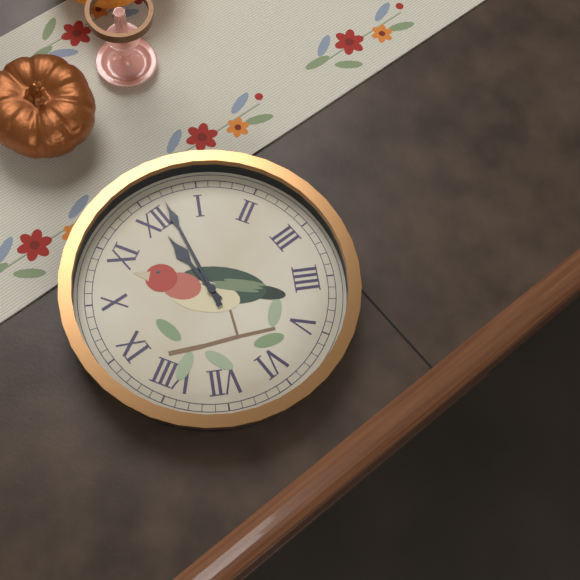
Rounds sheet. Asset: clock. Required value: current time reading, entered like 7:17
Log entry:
12:02
